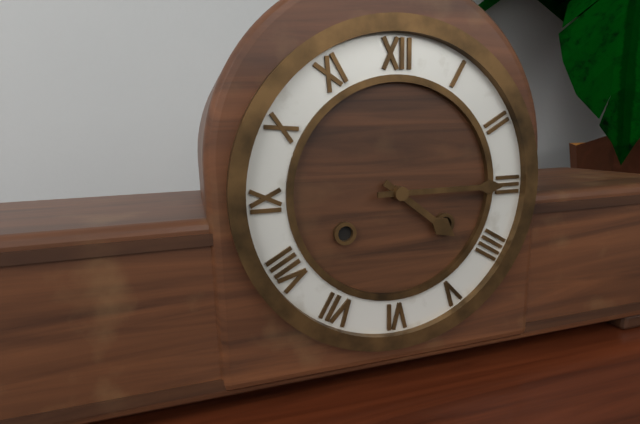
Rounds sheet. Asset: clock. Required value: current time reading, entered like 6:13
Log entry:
4:15
